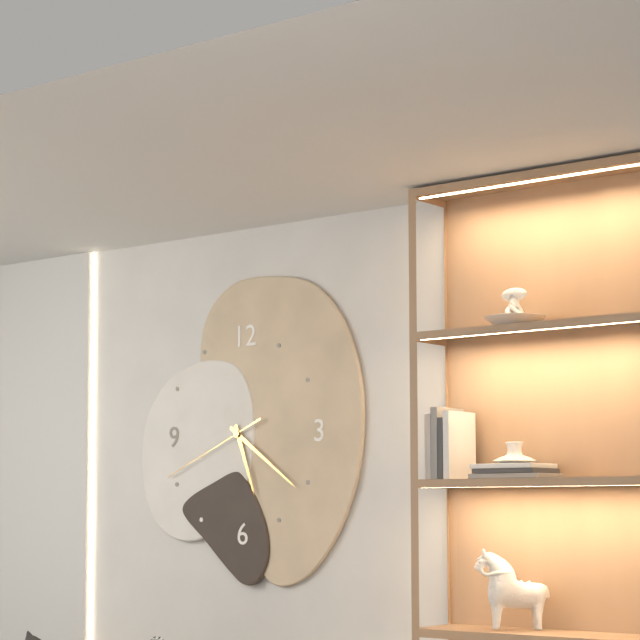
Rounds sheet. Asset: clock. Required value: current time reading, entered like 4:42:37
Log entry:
5:21:41
